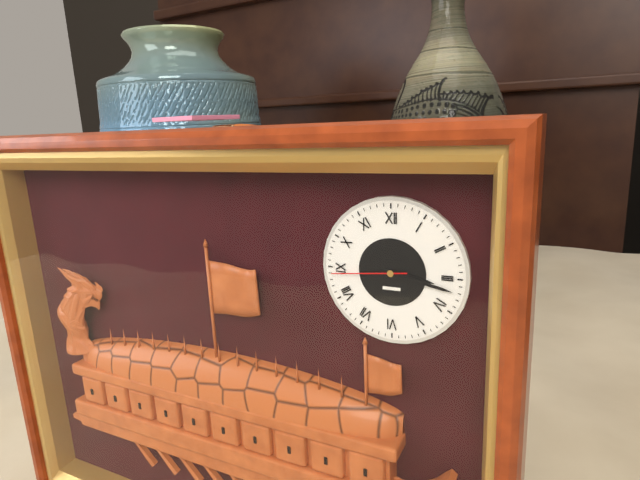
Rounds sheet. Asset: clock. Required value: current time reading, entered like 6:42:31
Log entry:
3:17:44
